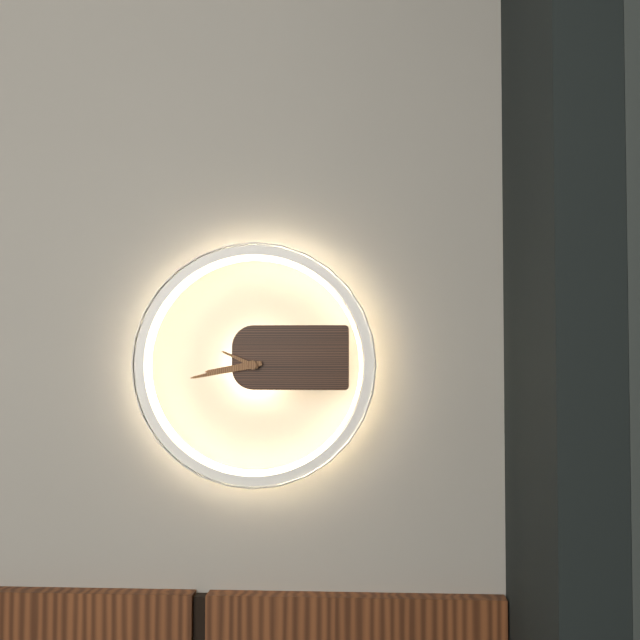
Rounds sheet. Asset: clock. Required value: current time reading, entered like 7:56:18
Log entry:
8:43:49
